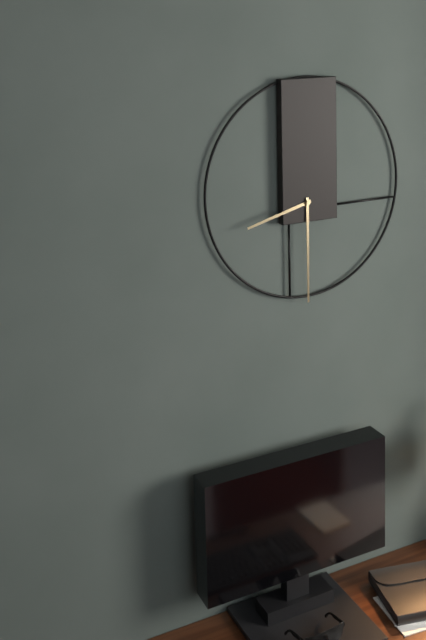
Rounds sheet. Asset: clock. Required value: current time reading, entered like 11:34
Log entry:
8:30
